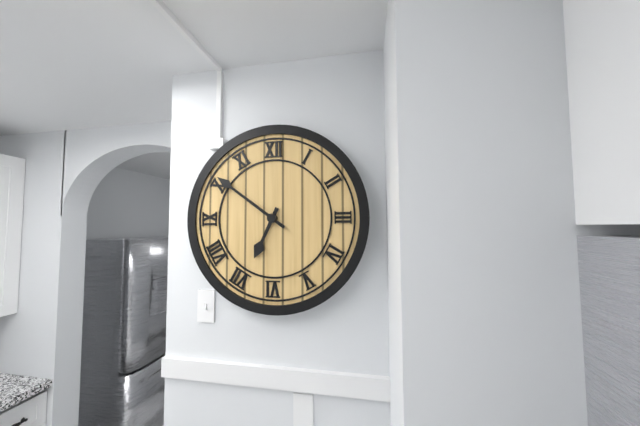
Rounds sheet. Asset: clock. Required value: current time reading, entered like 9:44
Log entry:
6:51
